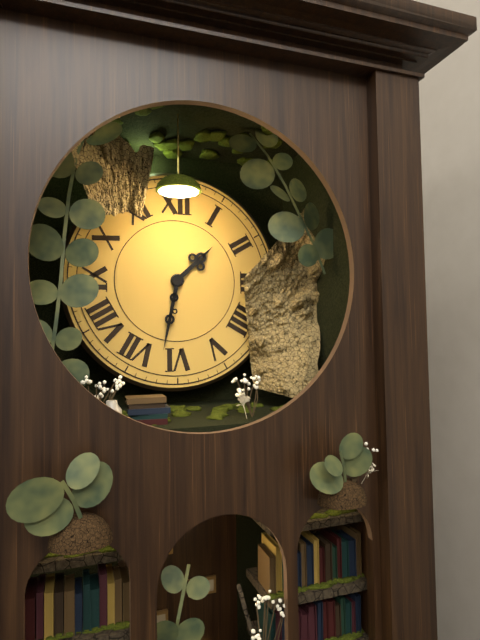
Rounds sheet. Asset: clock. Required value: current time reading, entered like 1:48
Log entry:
1:32
